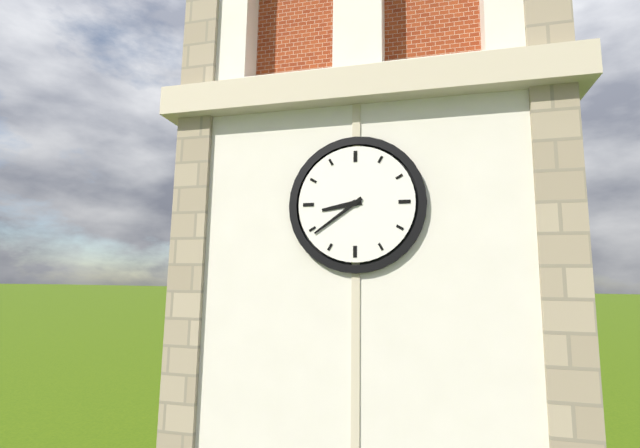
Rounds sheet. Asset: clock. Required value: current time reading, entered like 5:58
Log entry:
8:39
